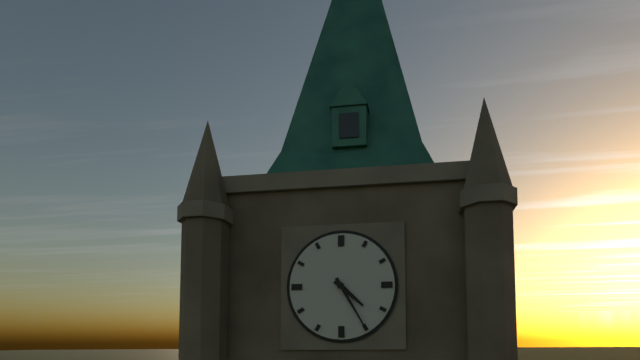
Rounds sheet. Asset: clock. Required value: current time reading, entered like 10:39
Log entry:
4:25
